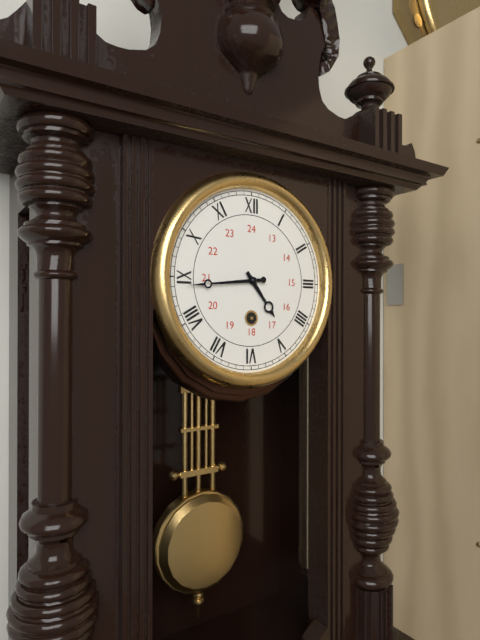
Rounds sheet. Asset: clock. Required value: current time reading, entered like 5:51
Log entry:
4:44
